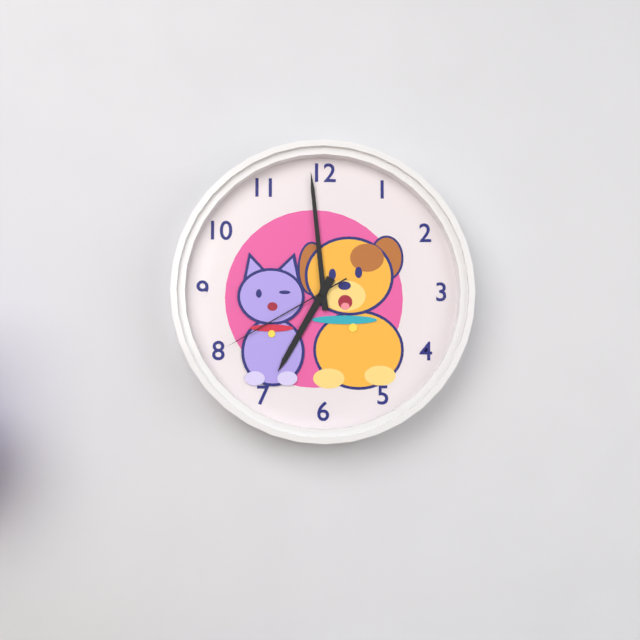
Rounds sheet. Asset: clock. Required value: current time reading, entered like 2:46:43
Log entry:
6:59:40
